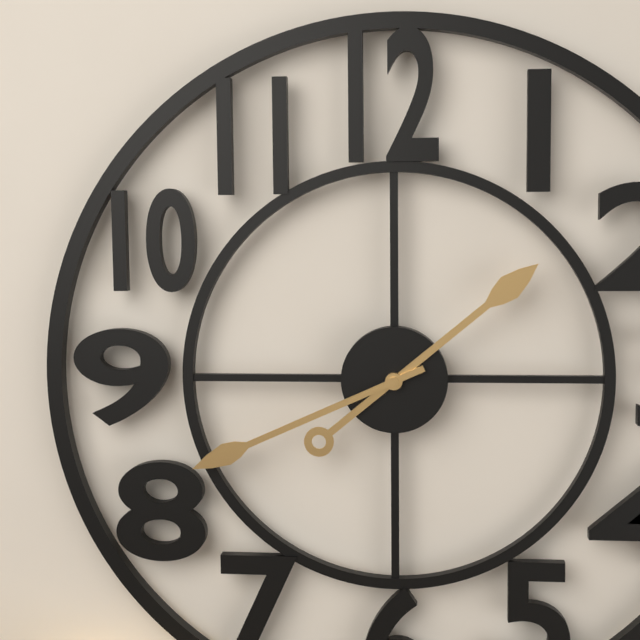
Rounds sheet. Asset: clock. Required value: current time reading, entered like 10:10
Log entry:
1:41
